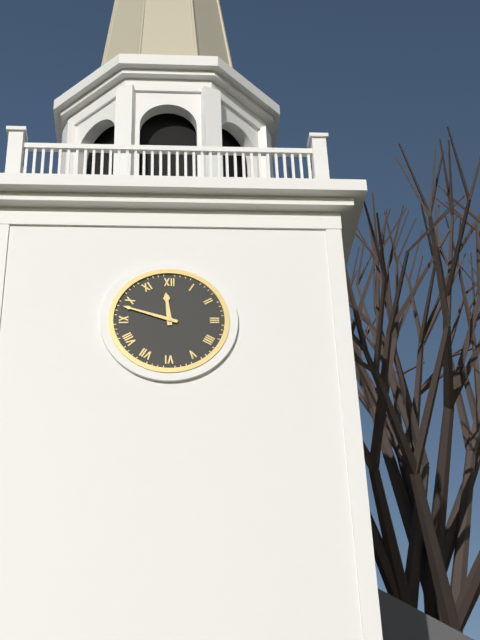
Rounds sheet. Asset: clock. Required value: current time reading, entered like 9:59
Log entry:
11:48
